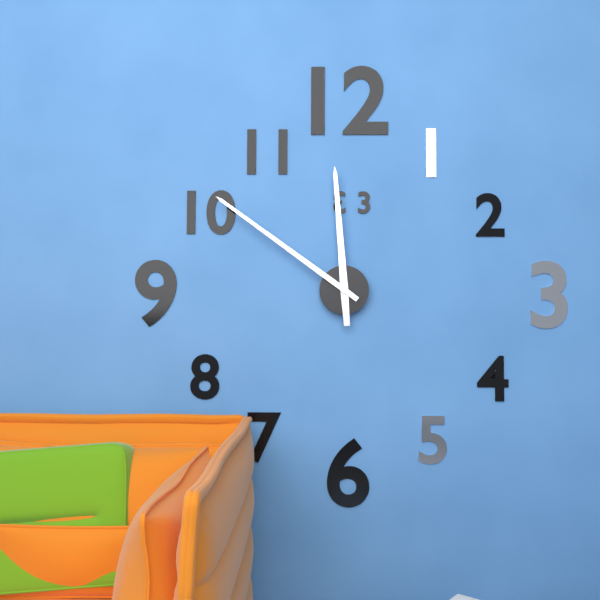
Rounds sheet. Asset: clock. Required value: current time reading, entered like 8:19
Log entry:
11:51
